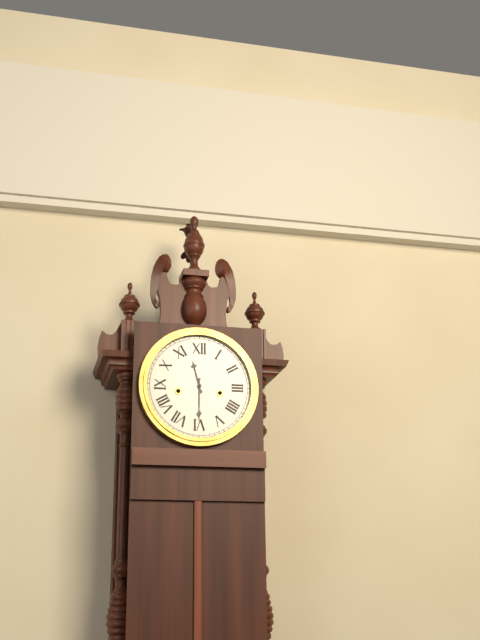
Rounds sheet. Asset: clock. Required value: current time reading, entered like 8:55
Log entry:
11:30
